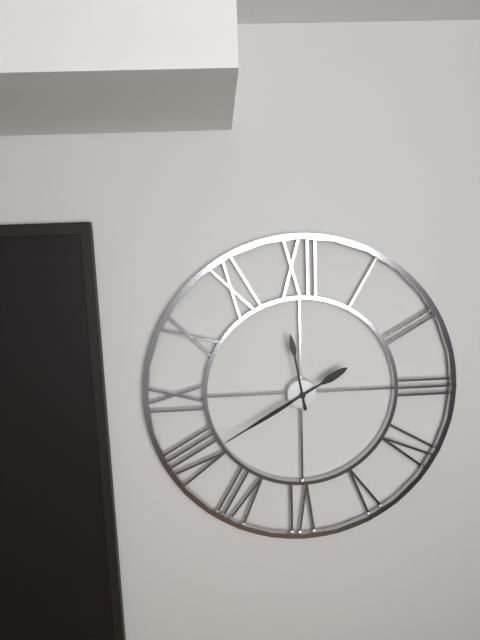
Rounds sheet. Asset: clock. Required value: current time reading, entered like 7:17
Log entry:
11:40
